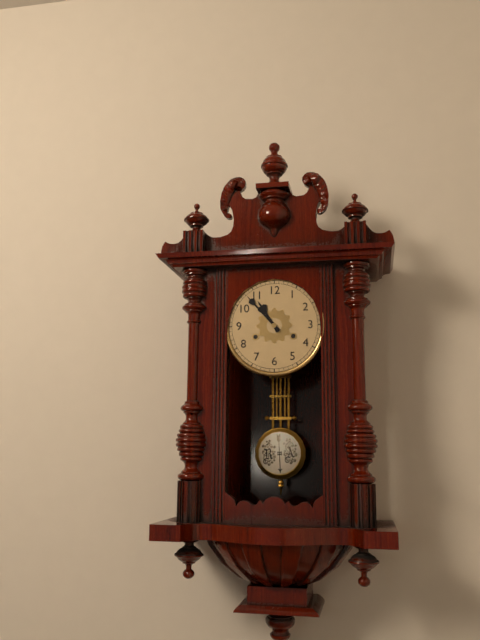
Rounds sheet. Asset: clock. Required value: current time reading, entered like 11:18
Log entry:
10:53
